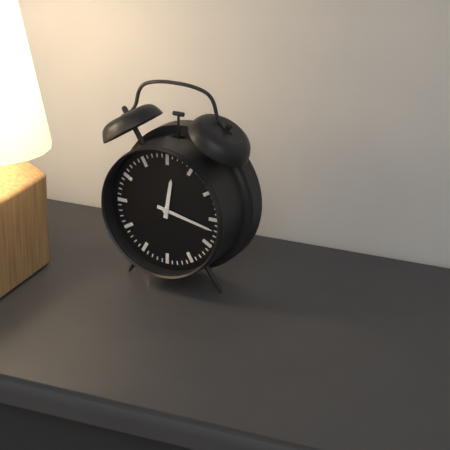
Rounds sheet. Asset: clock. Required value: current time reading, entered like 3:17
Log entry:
12:17
